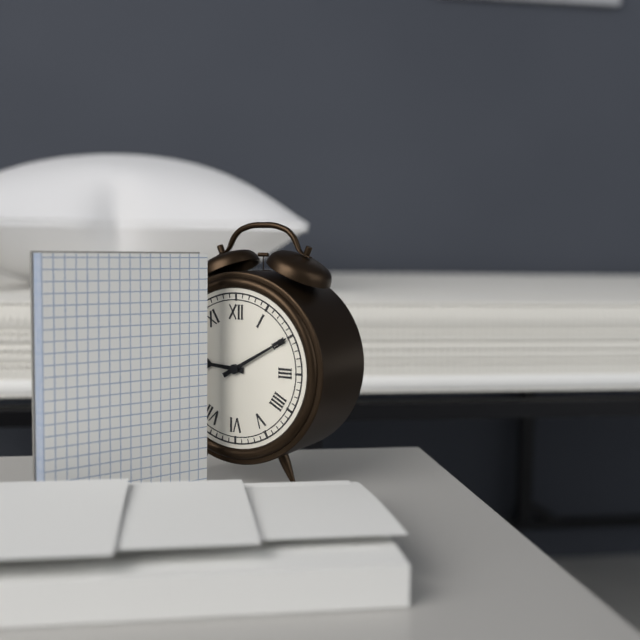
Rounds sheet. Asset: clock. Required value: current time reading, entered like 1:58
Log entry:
9:10
